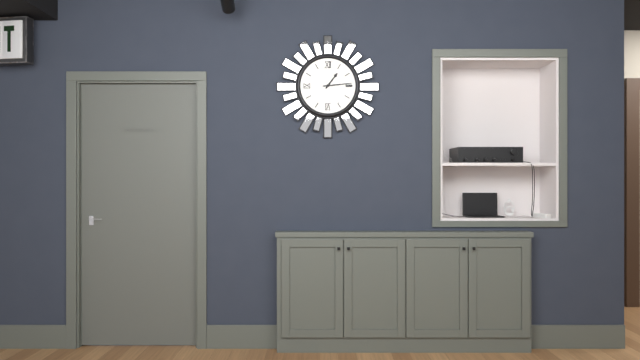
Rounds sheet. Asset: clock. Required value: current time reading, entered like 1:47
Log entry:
1:14
